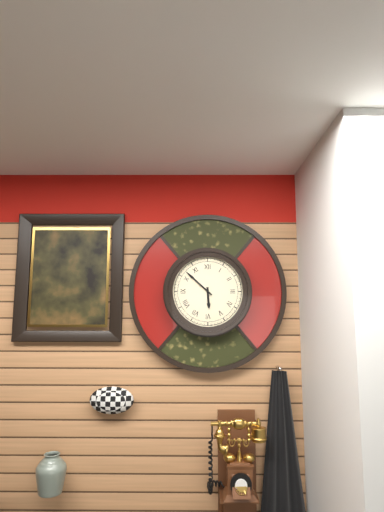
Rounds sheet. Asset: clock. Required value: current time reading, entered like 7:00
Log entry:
5:52
